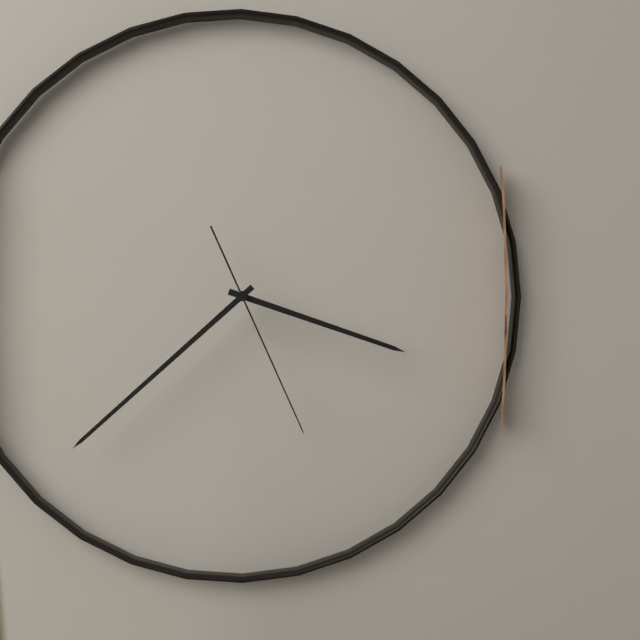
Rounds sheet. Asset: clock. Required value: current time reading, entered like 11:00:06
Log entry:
3:38:26
